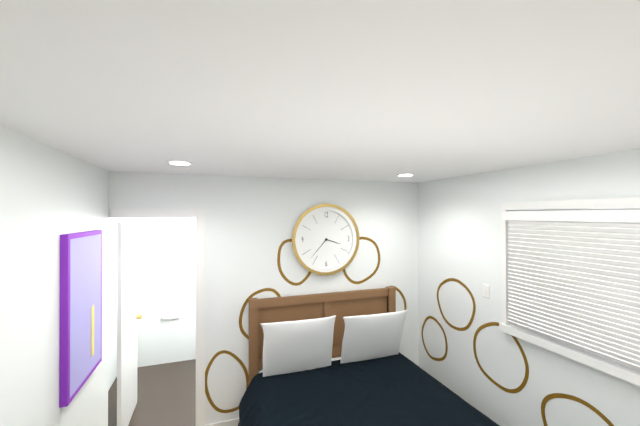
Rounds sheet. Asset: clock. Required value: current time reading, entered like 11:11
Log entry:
3:37
